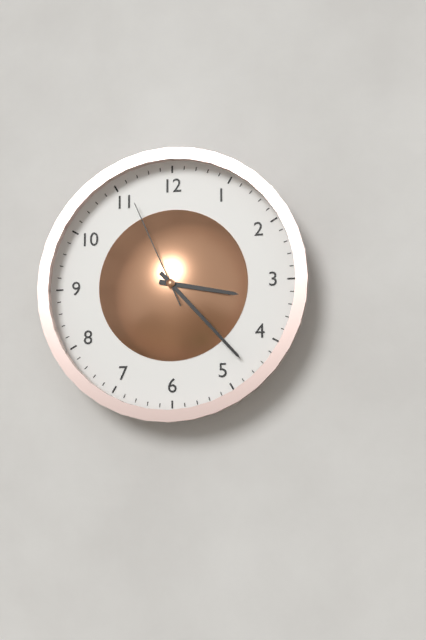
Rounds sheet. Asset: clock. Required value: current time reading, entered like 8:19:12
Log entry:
3:23:56
